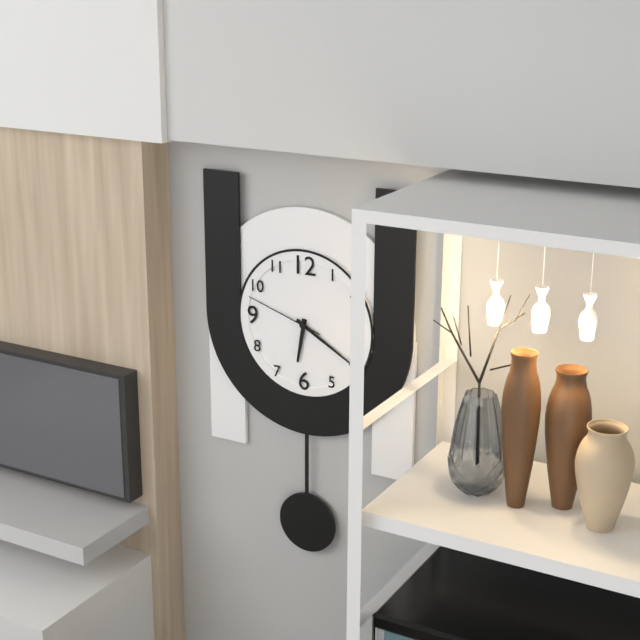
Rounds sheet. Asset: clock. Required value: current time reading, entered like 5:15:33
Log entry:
6:20:48
